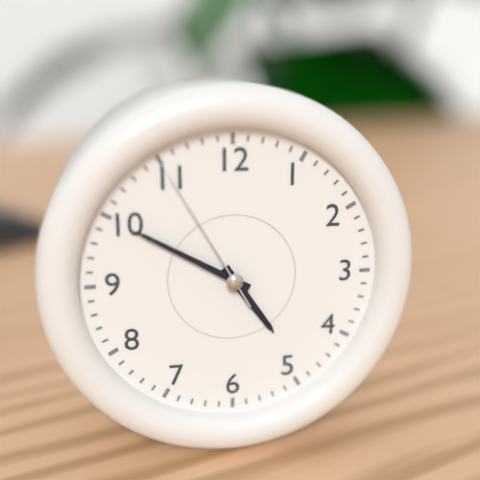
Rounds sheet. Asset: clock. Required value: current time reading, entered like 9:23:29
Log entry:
4:50:55
